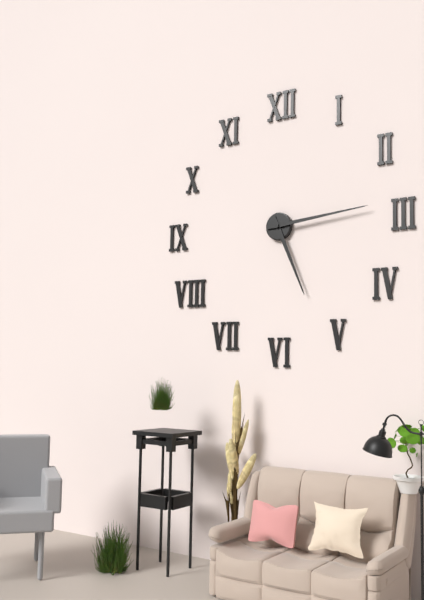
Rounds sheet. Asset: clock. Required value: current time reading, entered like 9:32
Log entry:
5:14
